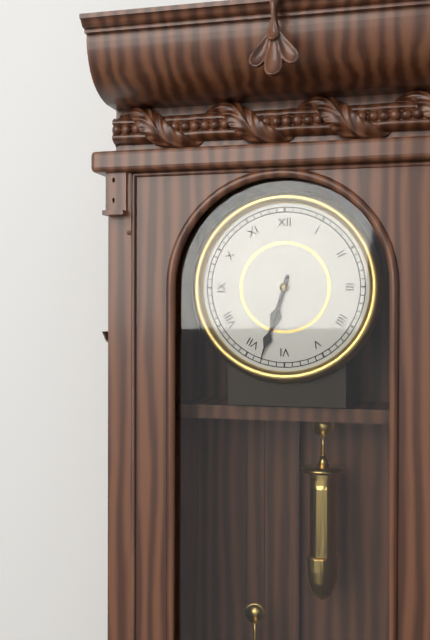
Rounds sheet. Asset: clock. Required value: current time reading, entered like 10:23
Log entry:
6:33
